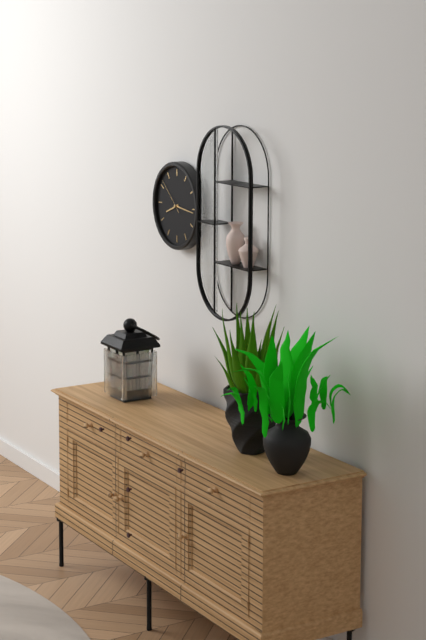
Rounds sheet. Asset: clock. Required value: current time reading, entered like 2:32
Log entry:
8:16
